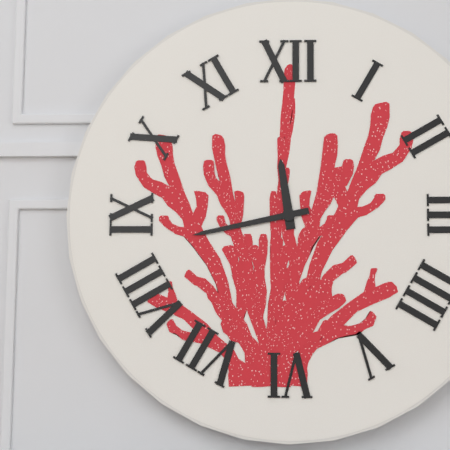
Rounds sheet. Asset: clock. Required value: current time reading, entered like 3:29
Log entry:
11:43
